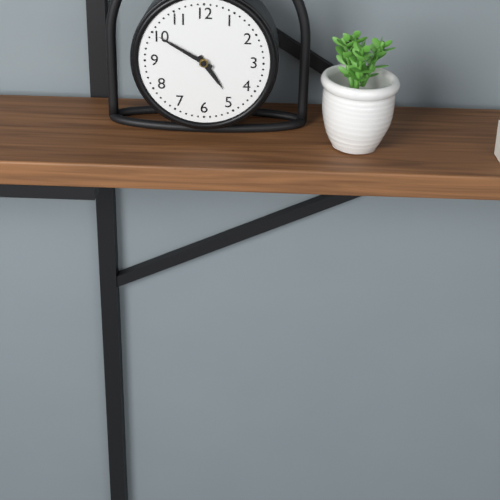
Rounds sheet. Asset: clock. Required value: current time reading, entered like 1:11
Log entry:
4:50
